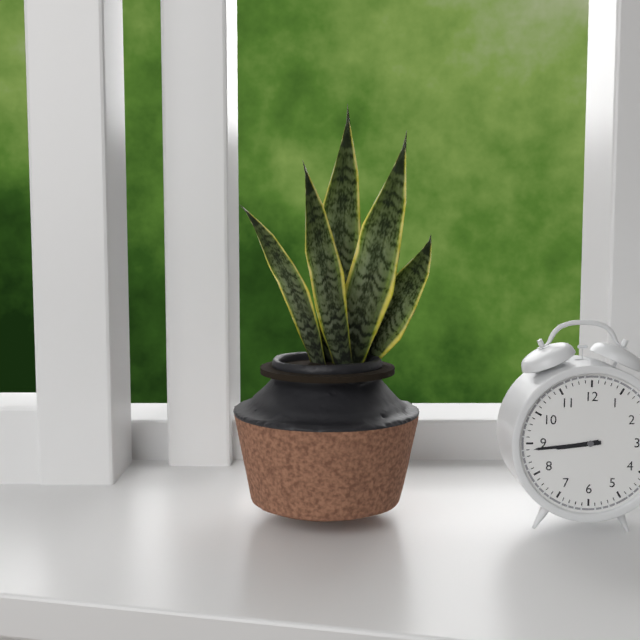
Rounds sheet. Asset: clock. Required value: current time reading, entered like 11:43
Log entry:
8:44
